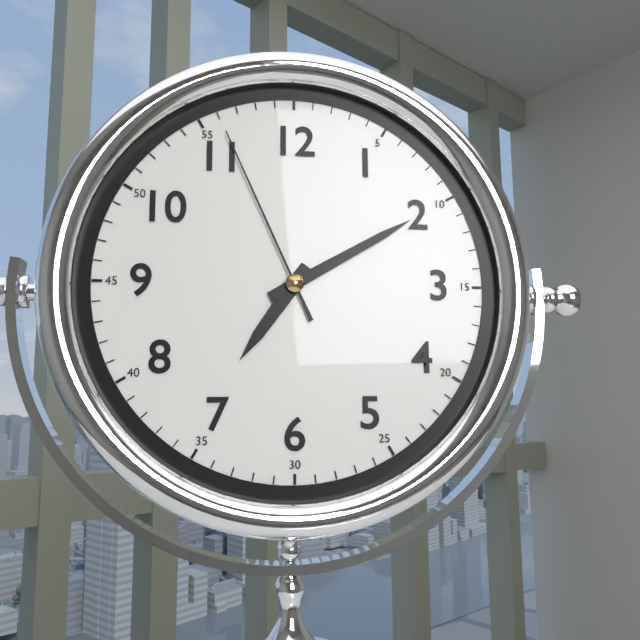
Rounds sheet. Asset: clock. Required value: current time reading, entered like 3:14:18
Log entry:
7:10:56
